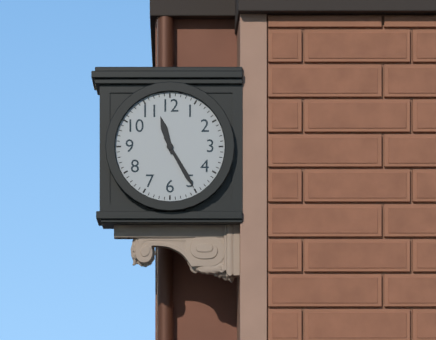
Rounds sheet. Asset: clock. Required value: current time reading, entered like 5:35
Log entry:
11:25
